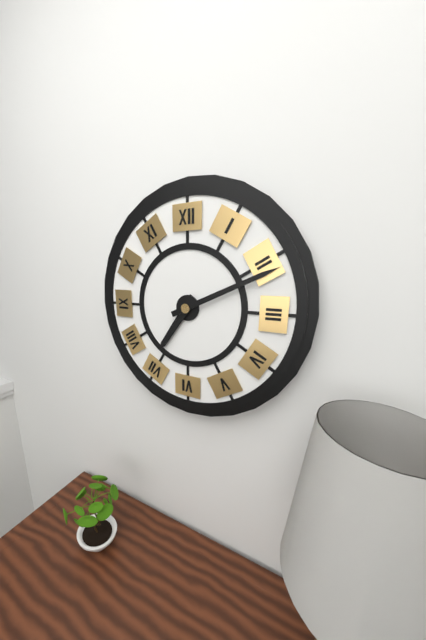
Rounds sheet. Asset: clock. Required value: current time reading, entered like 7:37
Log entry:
7:11
